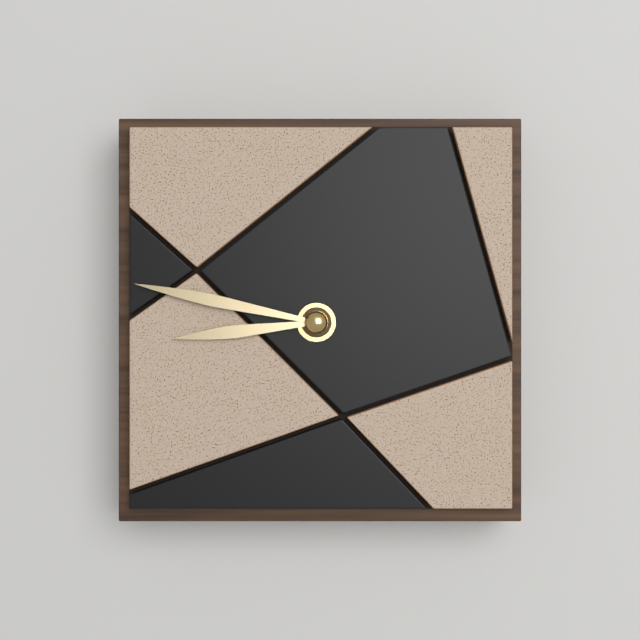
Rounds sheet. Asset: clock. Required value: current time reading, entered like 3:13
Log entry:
8:47
